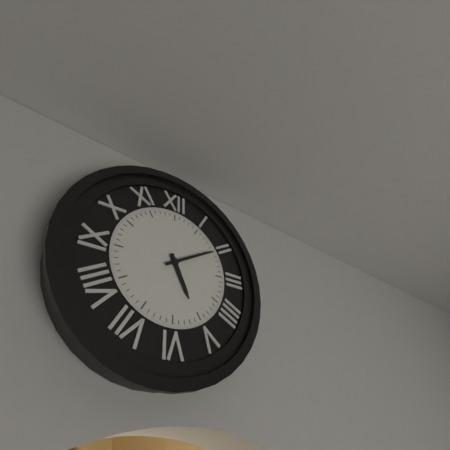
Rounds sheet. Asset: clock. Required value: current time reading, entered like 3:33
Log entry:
5:10
